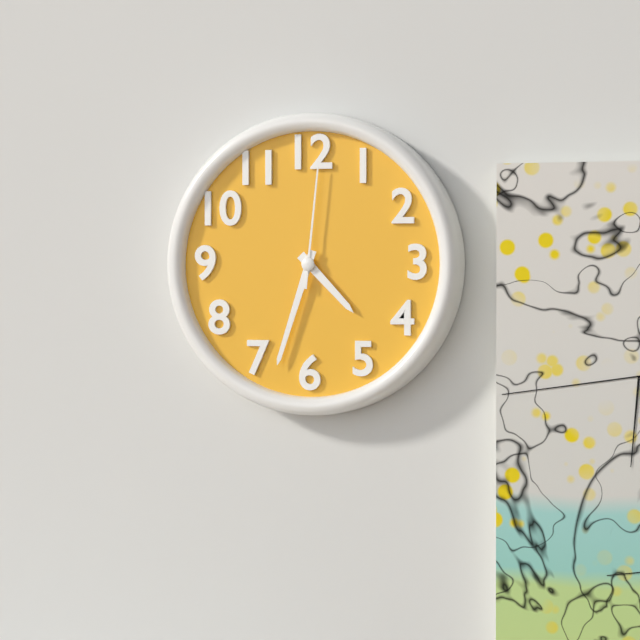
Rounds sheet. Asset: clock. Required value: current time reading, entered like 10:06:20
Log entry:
4:33:01
